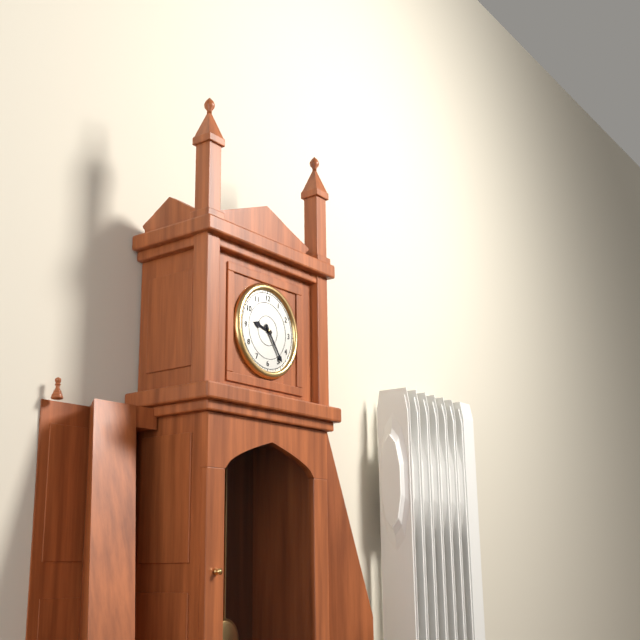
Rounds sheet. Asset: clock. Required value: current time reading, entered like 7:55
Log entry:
9:24
